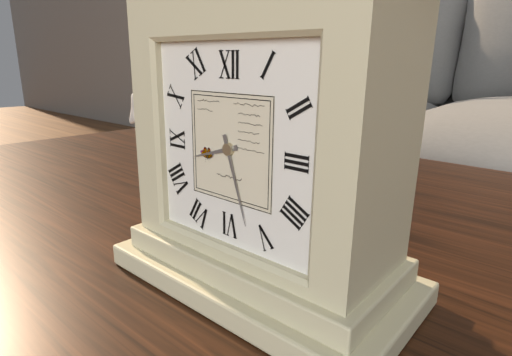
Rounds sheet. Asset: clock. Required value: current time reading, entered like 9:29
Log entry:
8:27
